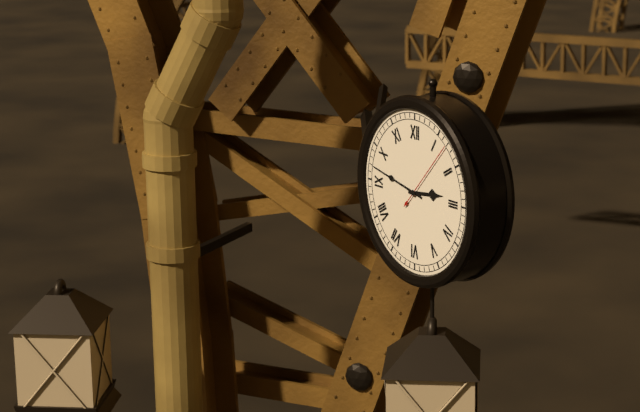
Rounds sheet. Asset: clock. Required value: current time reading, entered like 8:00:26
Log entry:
2:47:07
